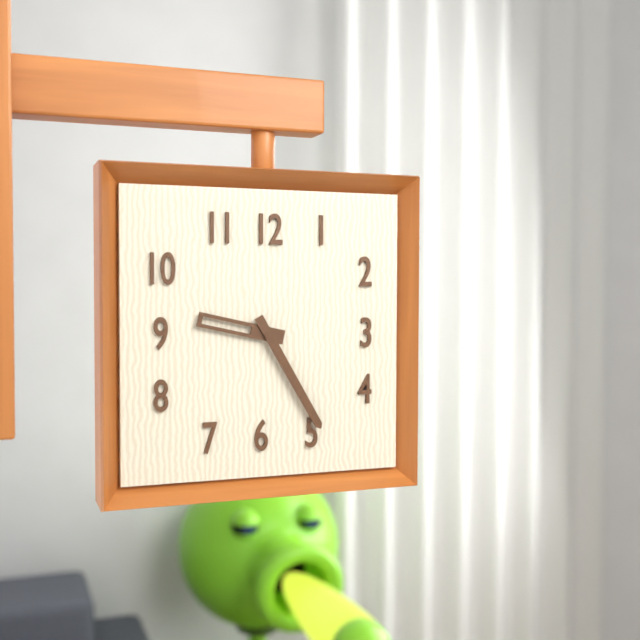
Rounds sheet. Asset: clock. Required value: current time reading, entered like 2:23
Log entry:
9:25
